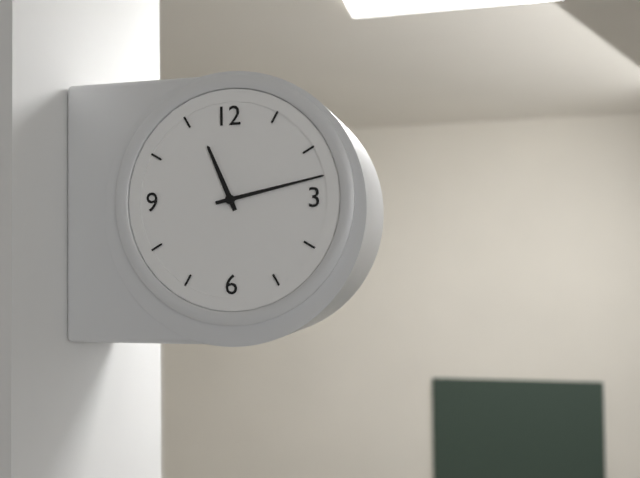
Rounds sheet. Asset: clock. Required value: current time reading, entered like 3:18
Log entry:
11:13
